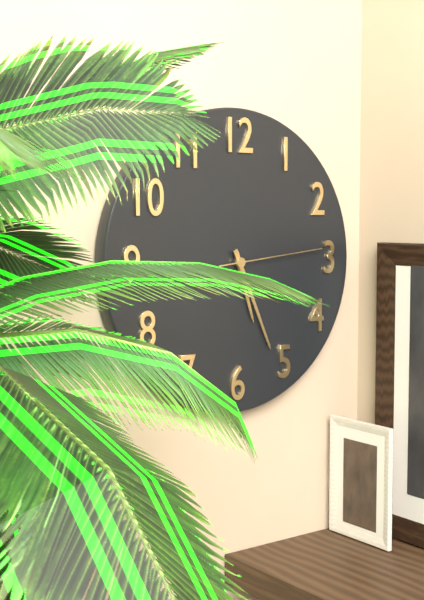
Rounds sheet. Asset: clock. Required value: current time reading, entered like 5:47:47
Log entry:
5:26:14
